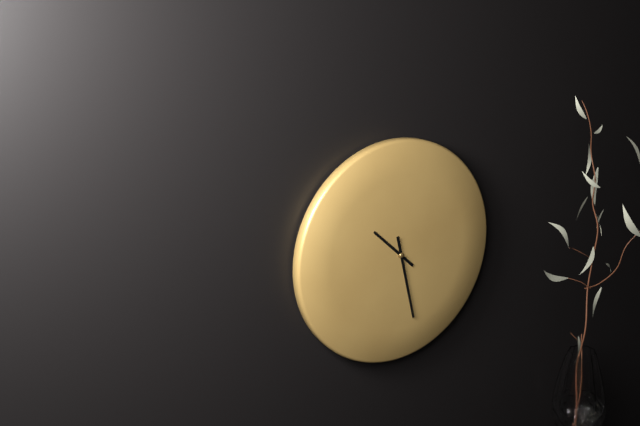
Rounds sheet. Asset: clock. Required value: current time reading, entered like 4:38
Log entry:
10:28
